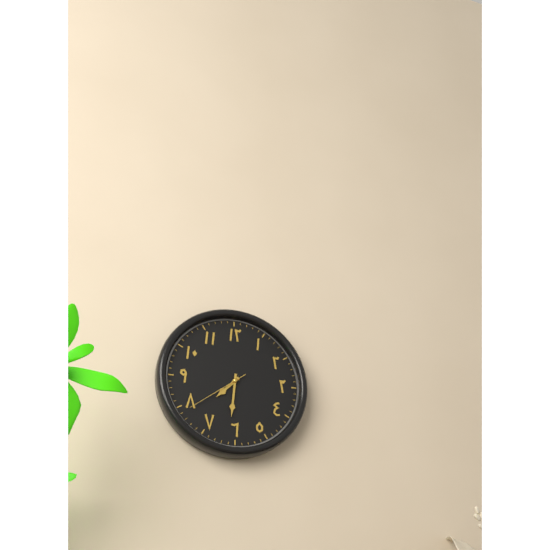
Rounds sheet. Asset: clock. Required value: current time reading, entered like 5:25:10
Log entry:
7:31:39
